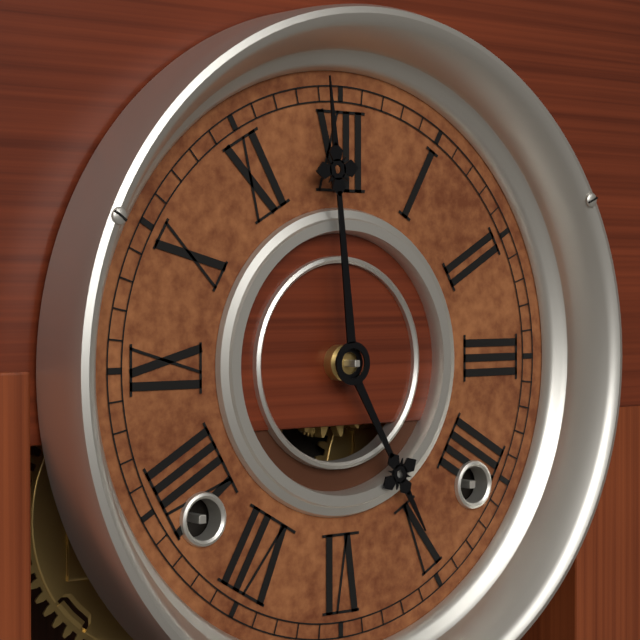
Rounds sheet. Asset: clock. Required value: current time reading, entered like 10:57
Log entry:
4:59
